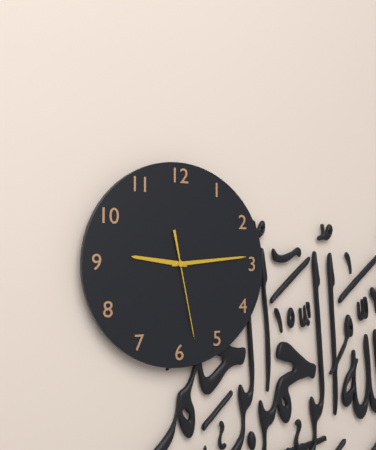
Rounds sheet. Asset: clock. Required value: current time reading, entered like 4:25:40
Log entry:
9:14:28
